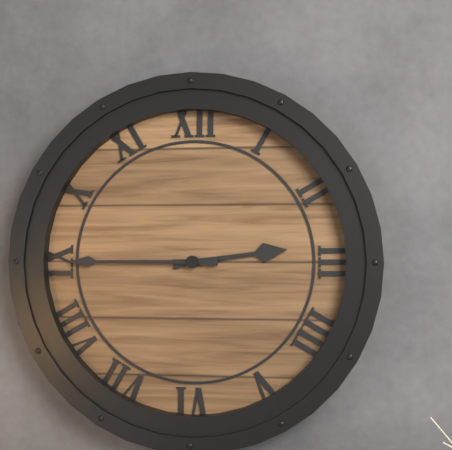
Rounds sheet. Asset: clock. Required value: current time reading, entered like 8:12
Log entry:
2:45
